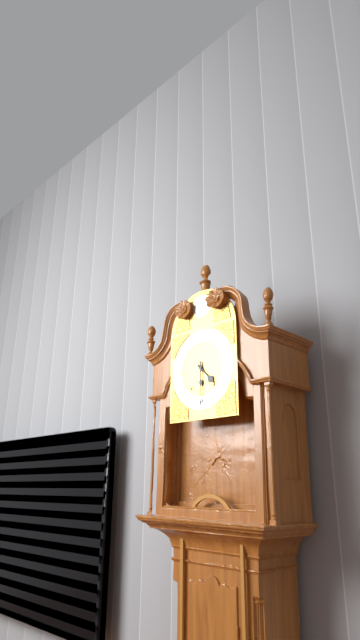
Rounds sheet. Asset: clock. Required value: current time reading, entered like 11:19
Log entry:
4:30
